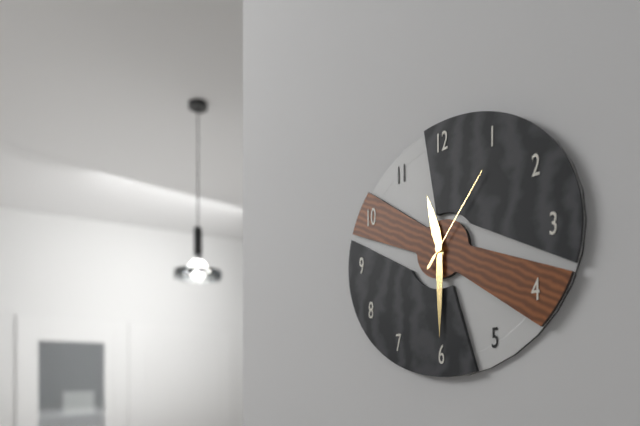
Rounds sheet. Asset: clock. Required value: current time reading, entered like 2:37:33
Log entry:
11:30:06
